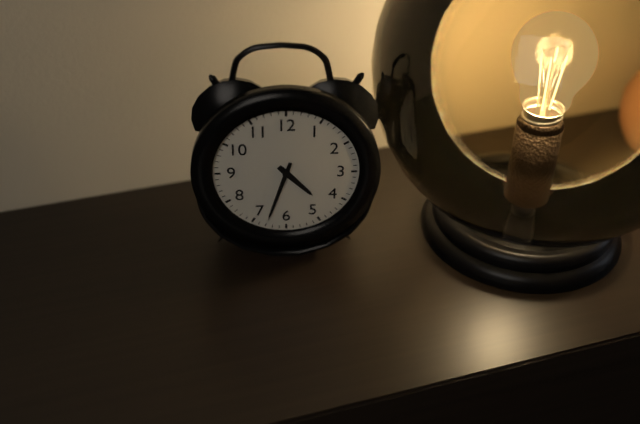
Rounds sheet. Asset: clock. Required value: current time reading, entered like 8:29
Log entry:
4:33
